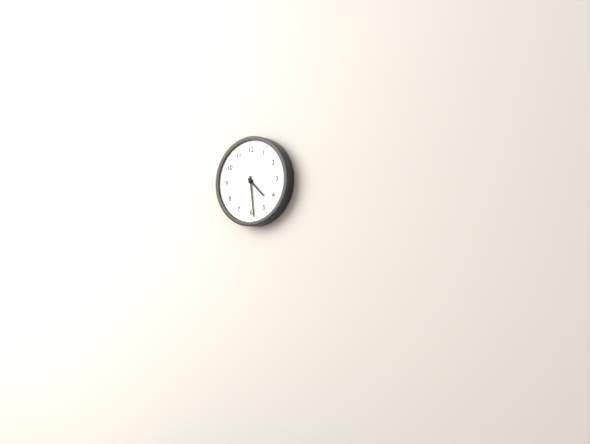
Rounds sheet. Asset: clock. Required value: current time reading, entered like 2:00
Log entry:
4:29
